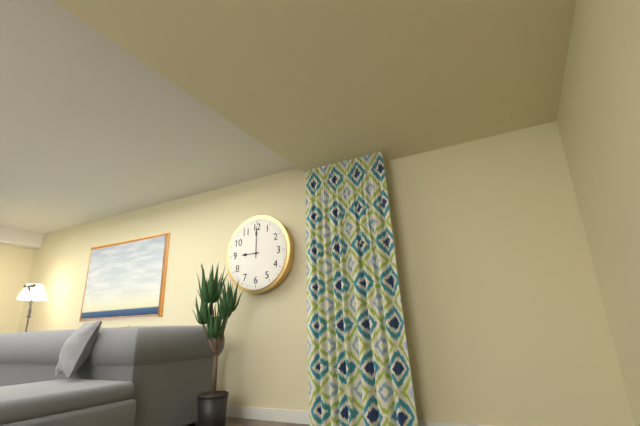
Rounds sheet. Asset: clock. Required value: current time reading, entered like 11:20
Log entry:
9:00
